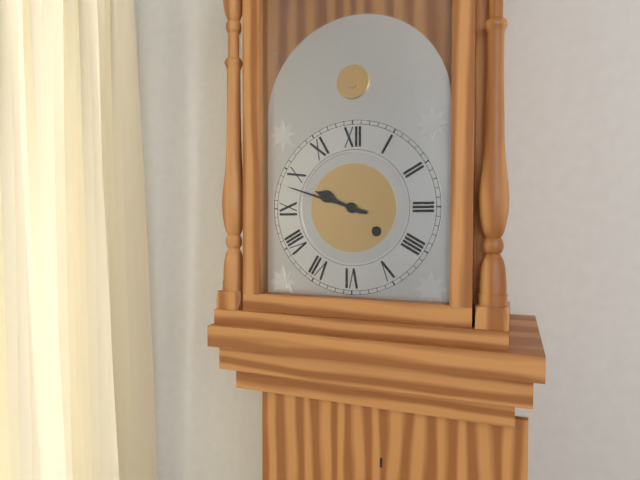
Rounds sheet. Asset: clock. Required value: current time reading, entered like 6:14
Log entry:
9:48
